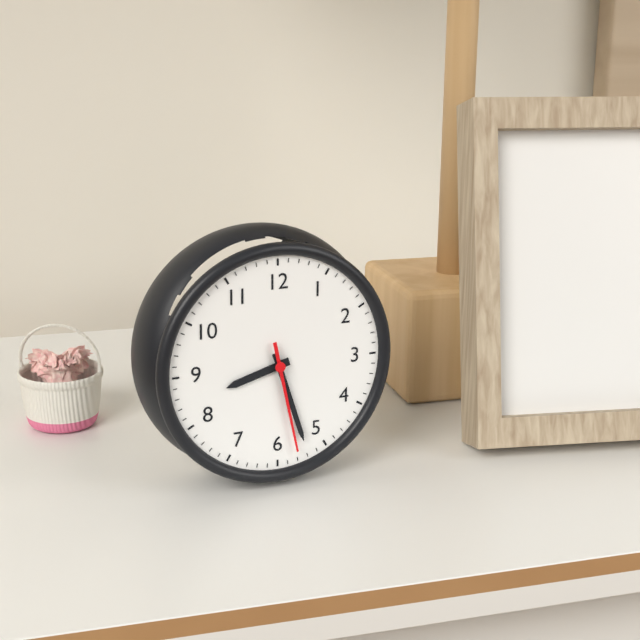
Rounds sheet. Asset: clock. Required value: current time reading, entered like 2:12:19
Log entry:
8:27:28
